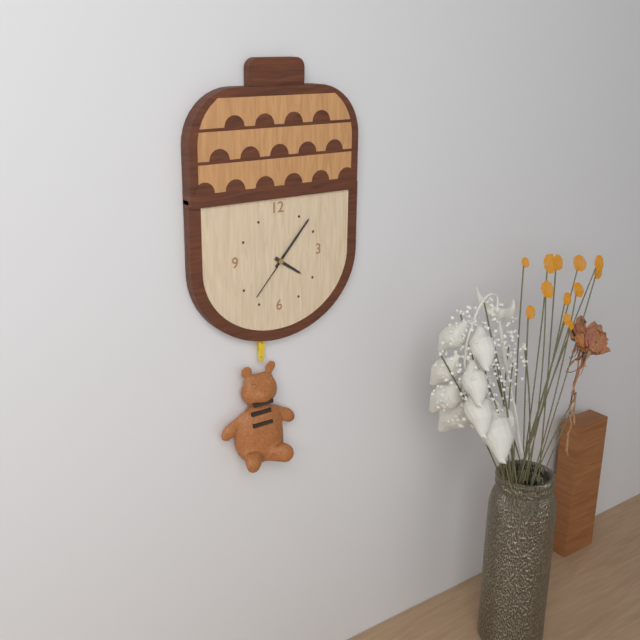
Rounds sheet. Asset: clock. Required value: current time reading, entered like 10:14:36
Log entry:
4:07:37
